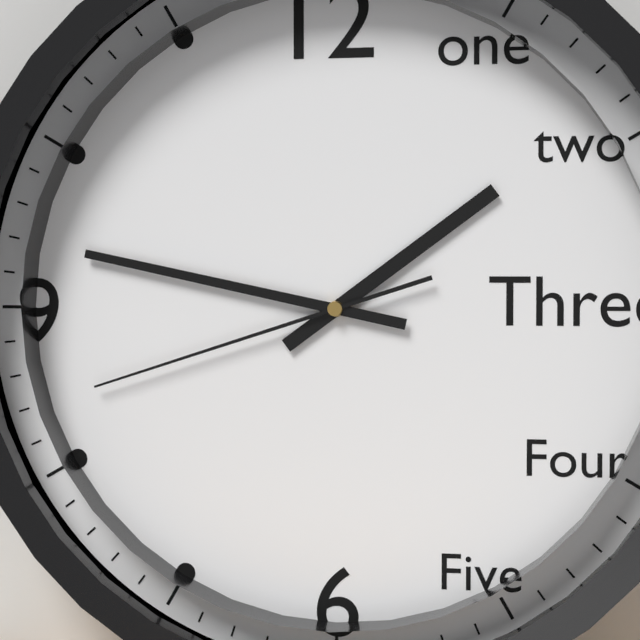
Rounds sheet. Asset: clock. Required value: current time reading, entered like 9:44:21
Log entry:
1:47:42
